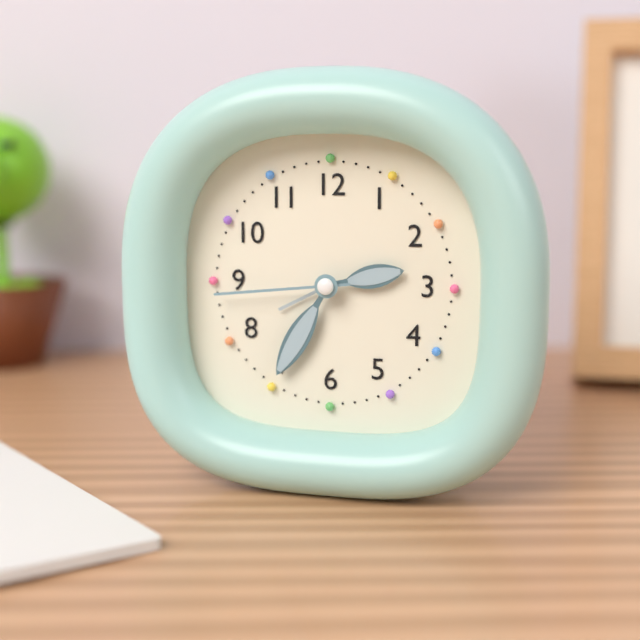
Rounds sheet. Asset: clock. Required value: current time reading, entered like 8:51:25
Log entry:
2:35:44
